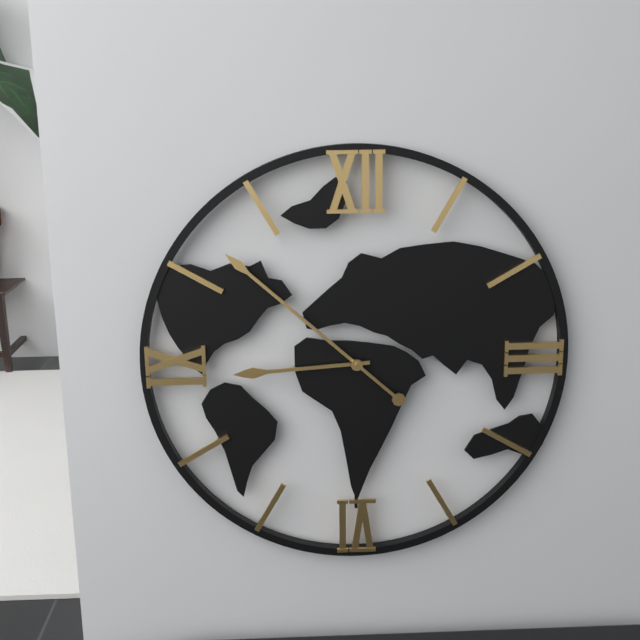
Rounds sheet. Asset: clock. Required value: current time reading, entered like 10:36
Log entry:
8:52
